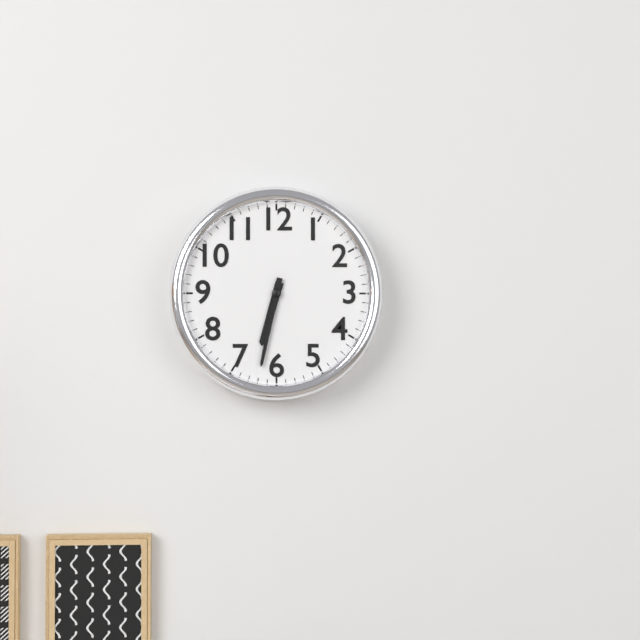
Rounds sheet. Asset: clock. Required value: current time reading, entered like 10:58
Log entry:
6:32
